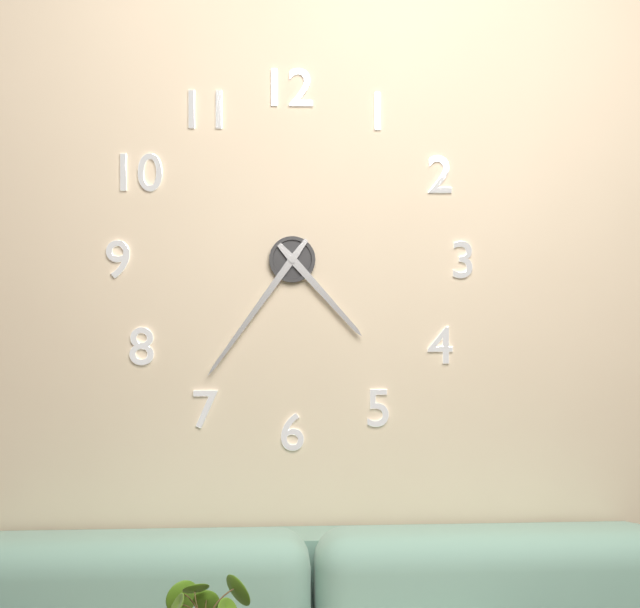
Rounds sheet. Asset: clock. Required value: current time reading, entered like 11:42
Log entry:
4:36
